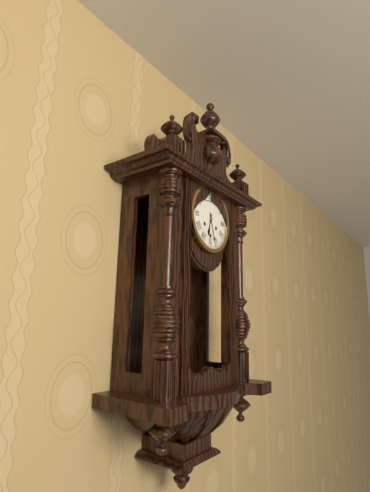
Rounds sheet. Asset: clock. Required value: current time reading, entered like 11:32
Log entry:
6:27
